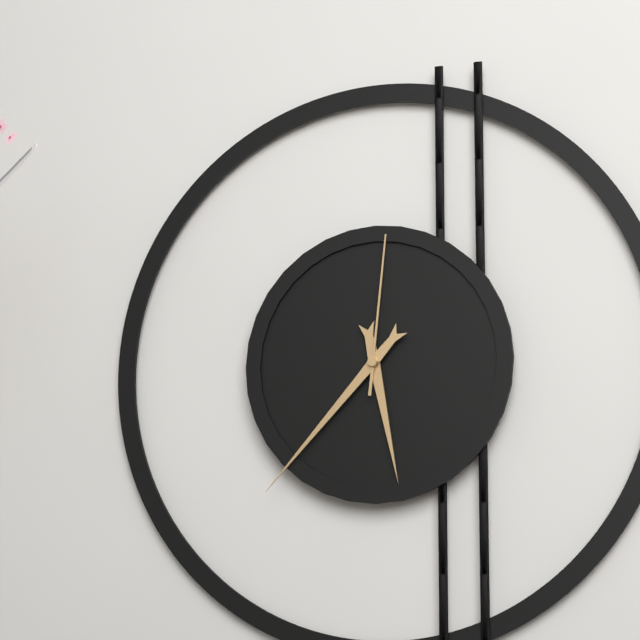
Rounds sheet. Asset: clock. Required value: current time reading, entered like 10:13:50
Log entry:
5:37:01
